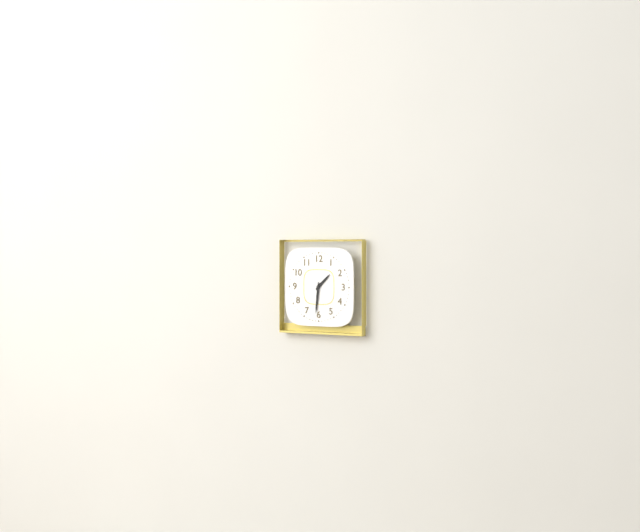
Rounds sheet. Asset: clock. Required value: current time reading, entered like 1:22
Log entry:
1:31
